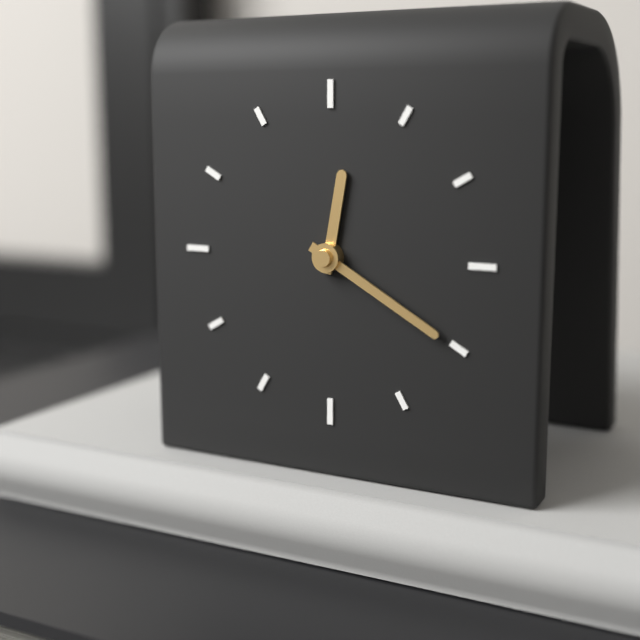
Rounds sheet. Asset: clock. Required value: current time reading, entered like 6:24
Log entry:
12:20
